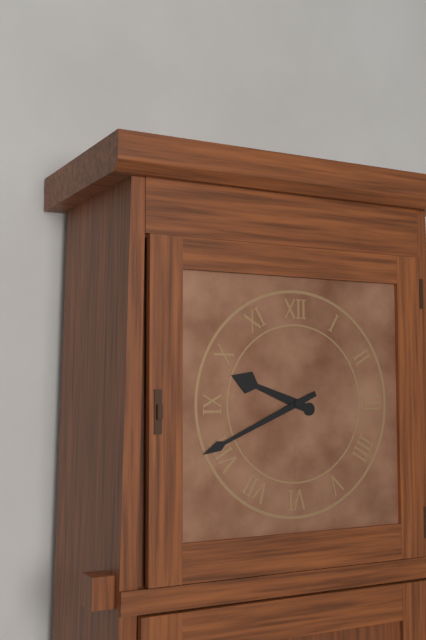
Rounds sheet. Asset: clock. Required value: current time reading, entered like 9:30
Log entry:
9:41
